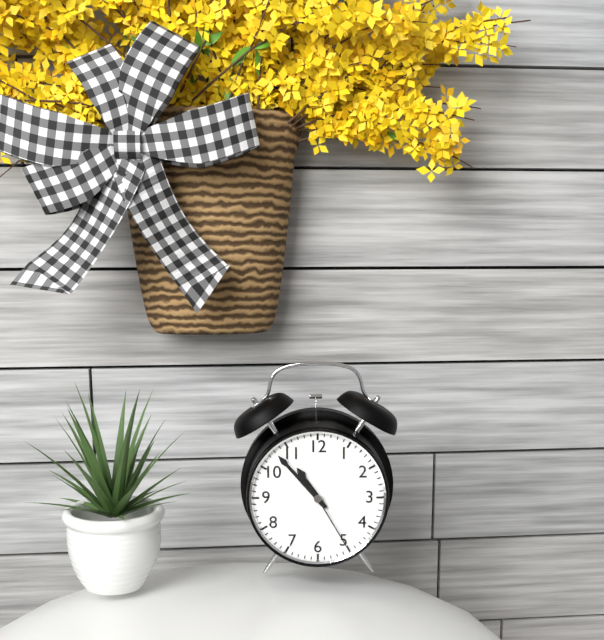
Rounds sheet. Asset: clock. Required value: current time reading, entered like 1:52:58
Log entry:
10:53:25
